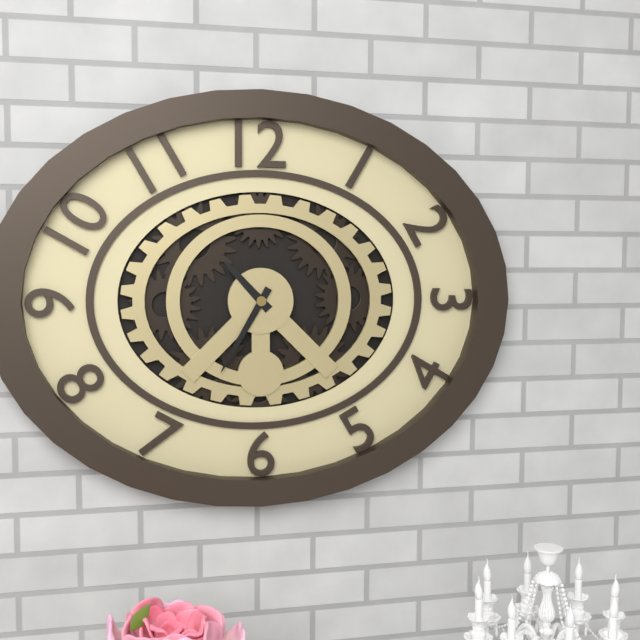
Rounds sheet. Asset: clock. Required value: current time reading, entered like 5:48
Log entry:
10:35
